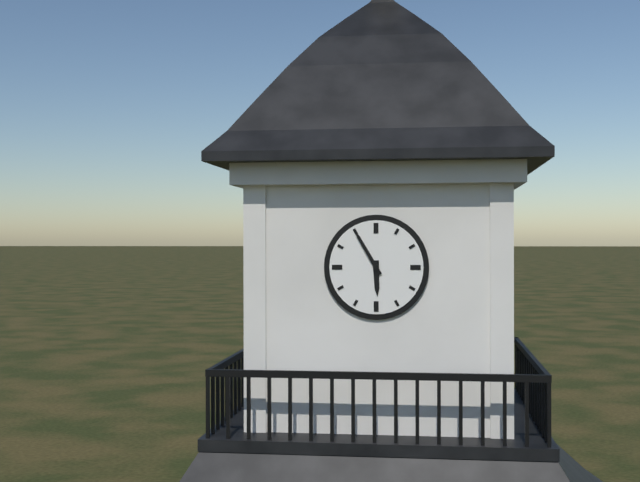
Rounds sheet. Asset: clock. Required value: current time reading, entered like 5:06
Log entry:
5:55
